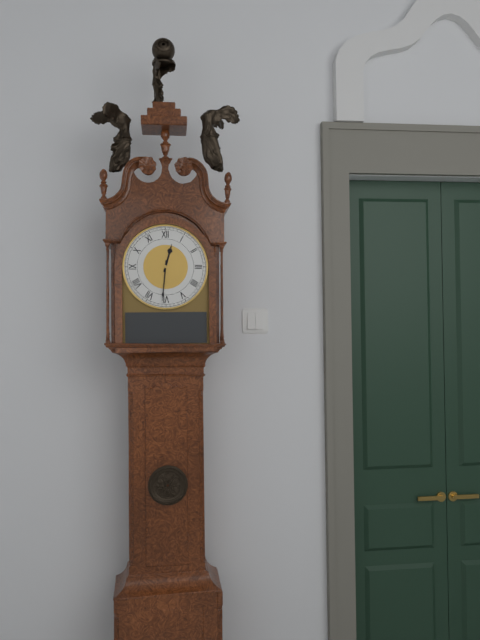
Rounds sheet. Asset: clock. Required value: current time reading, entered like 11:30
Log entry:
12:31
